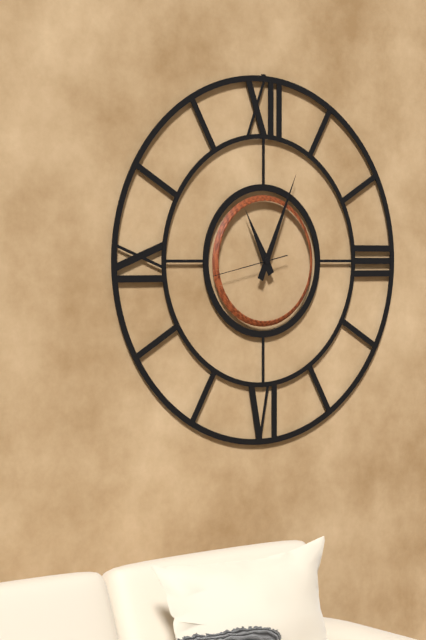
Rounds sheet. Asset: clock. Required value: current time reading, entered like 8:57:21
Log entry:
11:04:43
